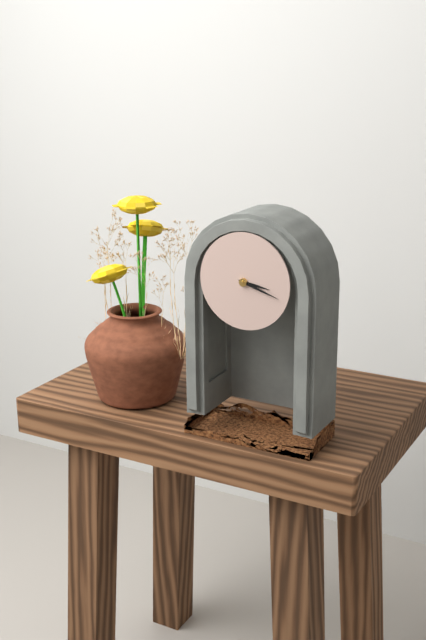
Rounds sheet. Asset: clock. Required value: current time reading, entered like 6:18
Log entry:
3:18
